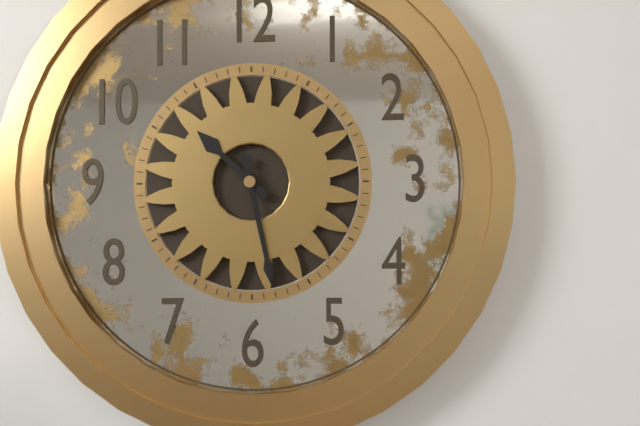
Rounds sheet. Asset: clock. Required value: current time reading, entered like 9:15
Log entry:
10:28
